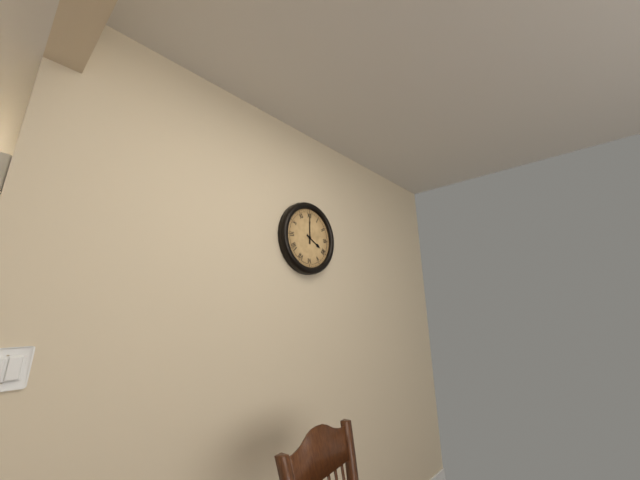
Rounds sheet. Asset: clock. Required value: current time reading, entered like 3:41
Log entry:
4:00
